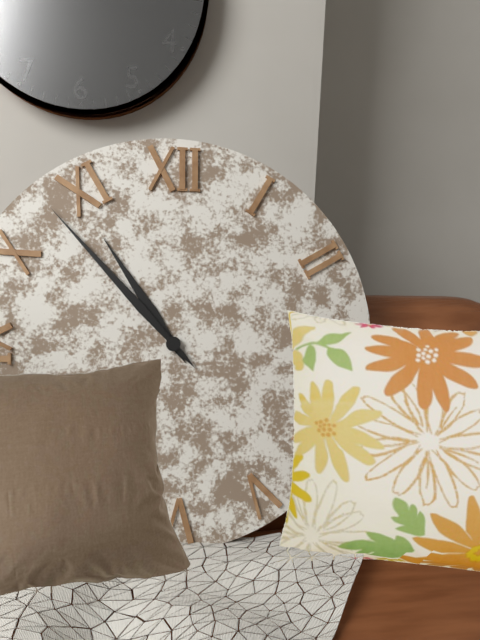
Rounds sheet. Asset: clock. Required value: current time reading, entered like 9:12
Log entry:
10:53
